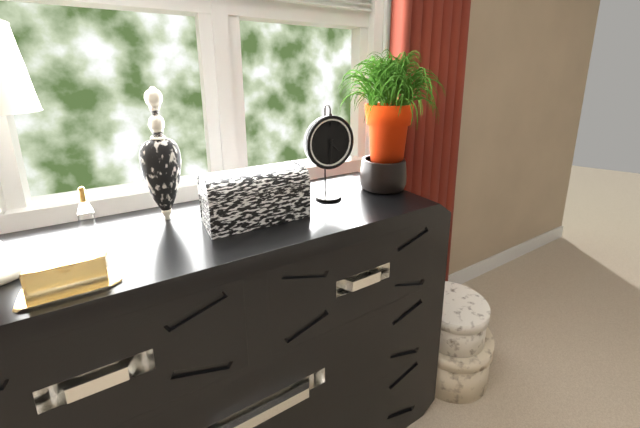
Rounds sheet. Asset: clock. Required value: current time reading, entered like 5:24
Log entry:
4:31
